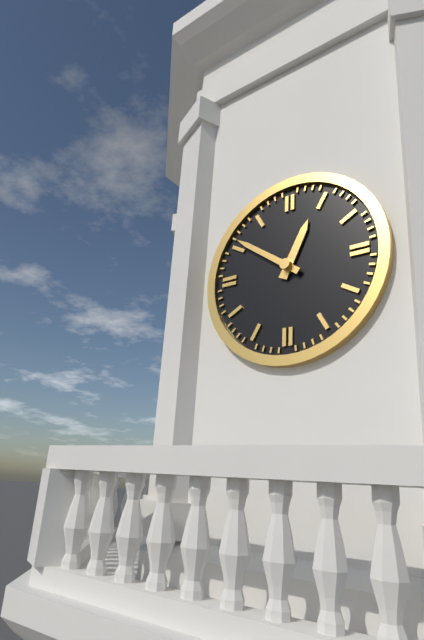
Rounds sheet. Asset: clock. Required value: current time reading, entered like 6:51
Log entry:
12:51
